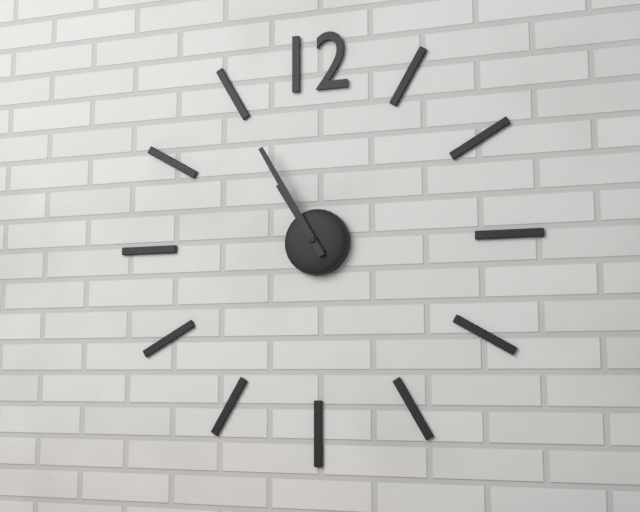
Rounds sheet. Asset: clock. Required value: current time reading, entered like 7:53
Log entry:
10:55
